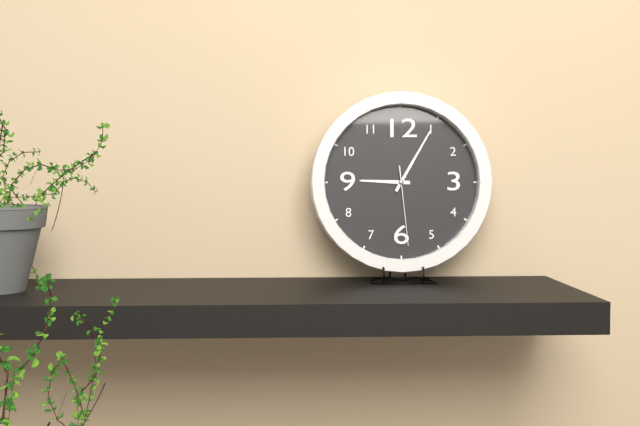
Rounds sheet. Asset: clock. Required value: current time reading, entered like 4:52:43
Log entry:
9:05:29
